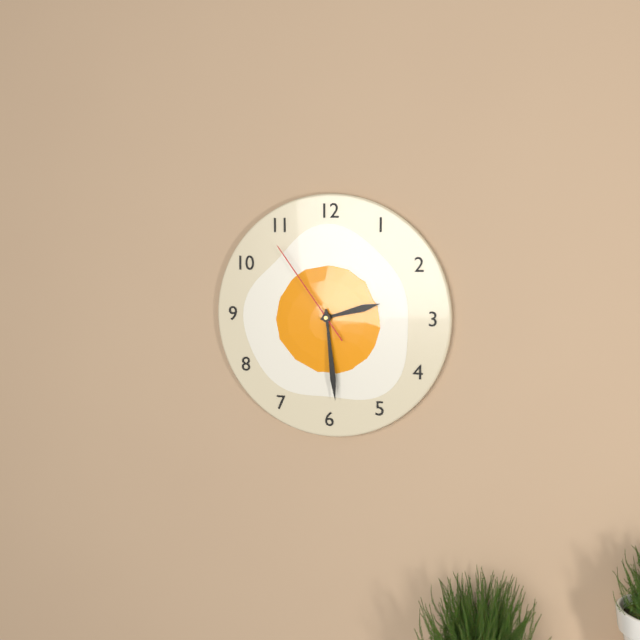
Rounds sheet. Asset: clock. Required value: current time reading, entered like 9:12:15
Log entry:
2:29:54
